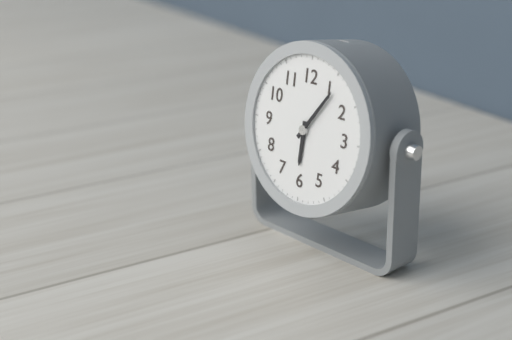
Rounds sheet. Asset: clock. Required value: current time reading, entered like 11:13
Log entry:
6:06
